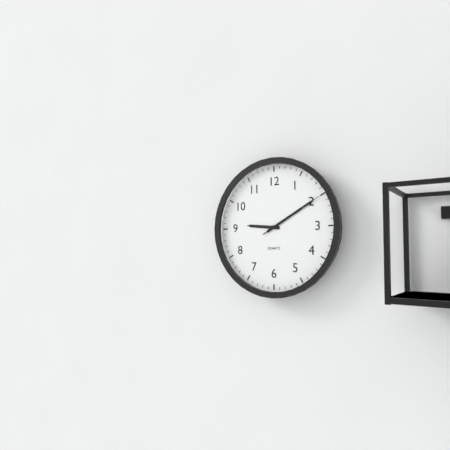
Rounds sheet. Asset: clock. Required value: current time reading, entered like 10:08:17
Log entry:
9:10:10
